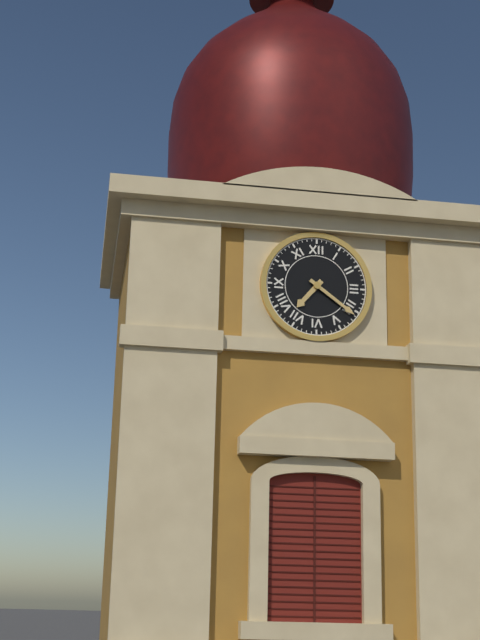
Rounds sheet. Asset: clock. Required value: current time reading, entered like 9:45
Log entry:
7:21
